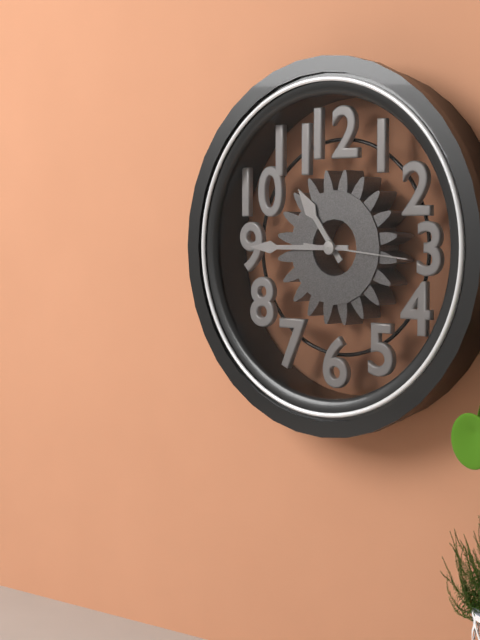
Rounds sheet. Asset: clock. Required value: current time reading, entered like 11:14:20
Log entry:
10:45:16
